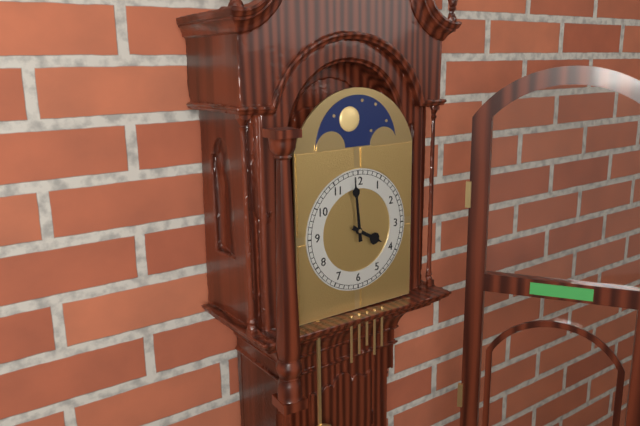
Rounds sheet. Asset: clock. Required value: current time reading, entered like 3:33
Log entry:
3:59
